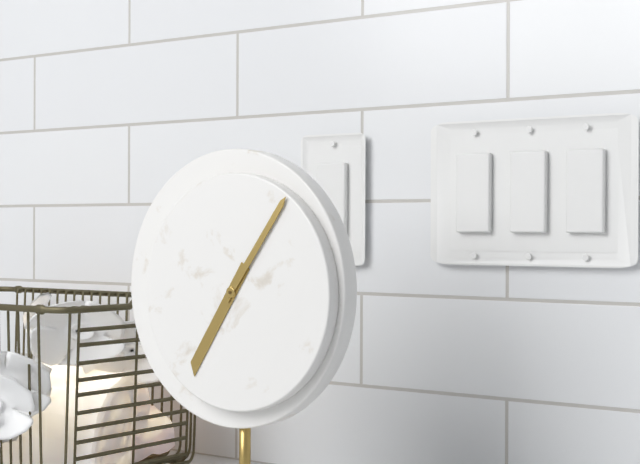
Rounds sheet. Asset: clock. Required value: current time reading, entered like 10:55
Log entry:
7:06
